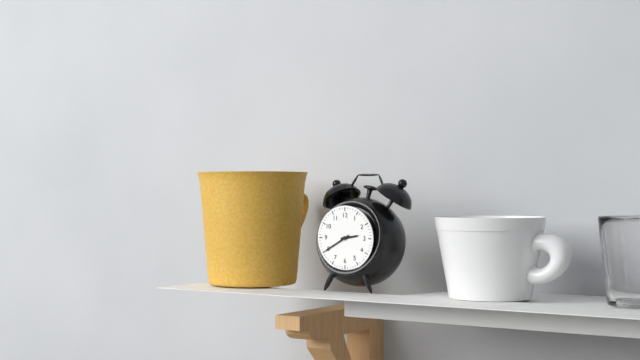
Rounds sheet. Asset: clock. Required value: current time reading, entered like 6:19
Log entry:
2:40
